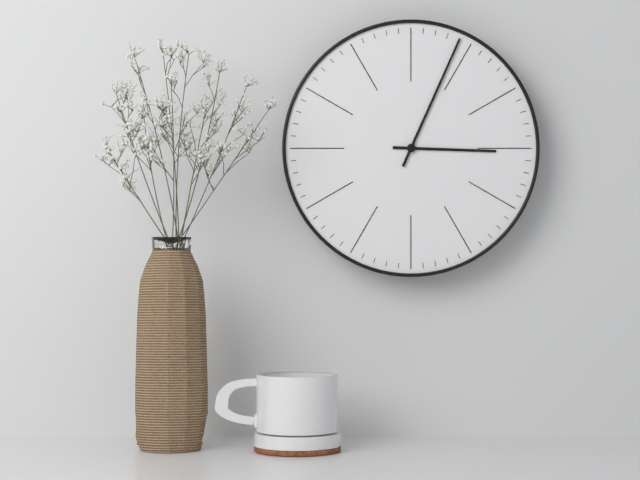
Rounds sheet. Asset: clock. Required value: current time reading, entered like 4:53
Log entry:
3:04
